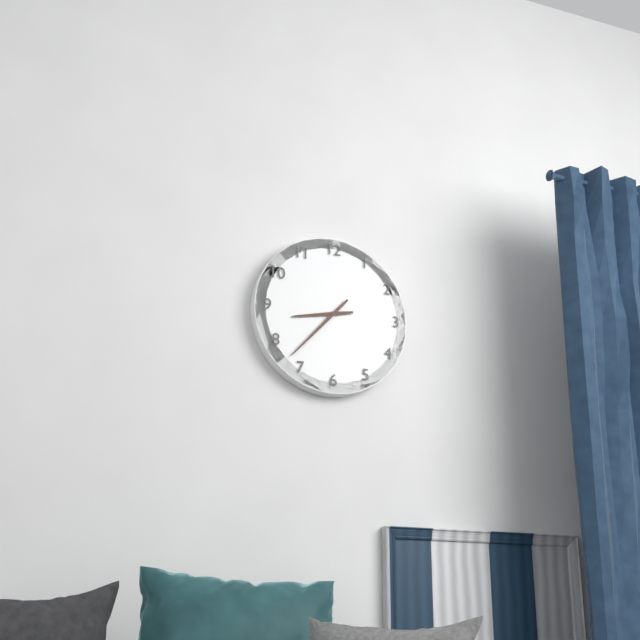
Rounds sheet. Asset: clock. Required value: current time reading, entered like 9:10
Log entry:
8:37
